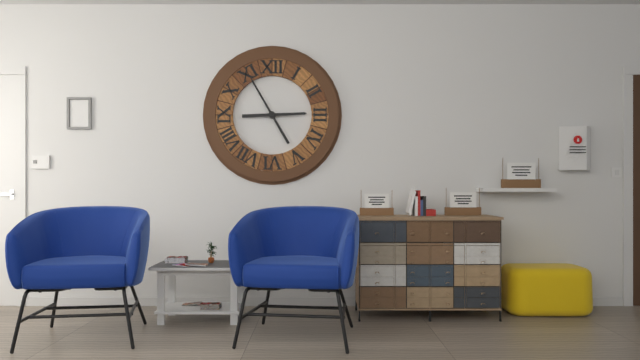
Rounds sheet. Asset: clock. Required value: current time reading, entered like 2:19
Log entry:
2:55
